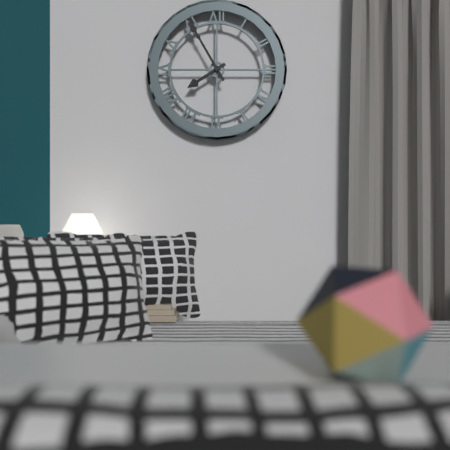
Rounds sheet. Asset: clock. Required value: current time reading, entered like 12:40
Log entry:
7:55
